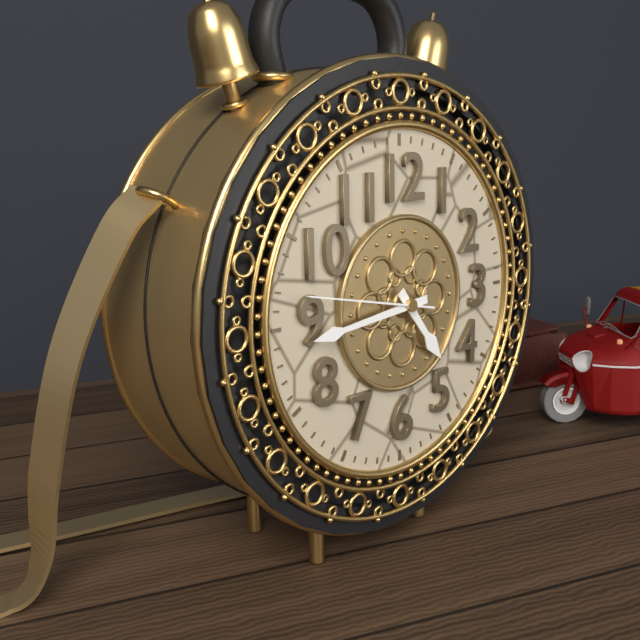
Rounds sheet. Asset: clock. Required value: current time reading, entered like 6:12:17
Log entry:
4:44:47
